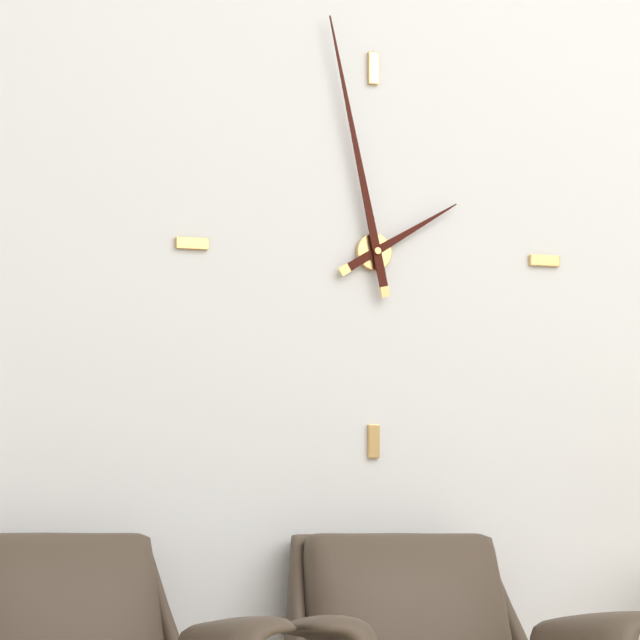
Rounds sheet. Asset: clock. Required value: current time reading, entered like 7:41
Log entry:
1:58
